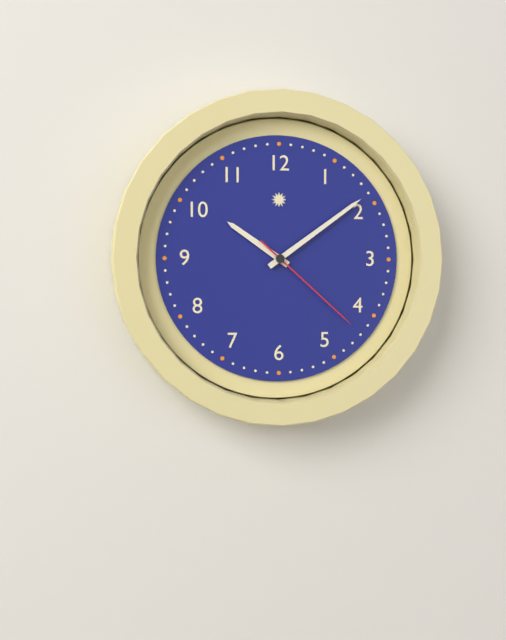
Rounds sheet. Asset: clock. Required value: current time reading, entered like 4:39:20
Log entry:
10:09:22
